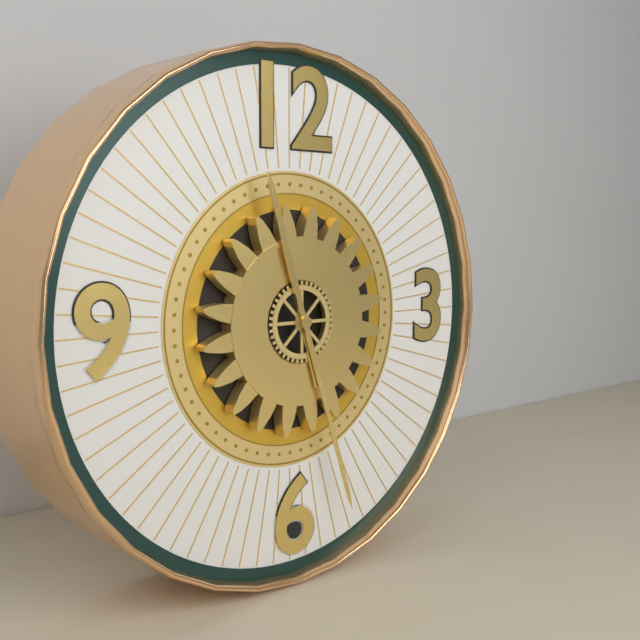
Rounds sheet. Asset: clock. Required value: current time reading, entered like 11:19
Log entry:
11:27
